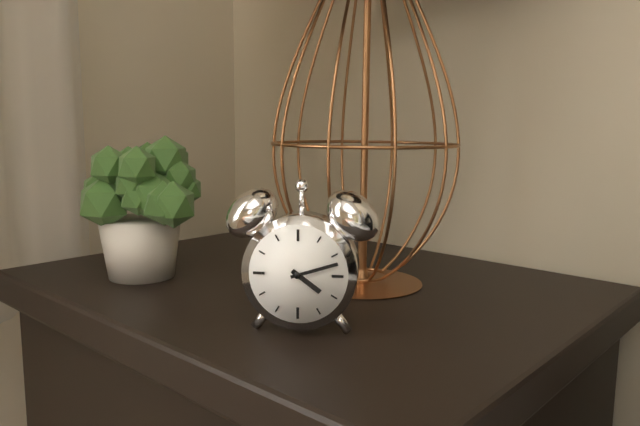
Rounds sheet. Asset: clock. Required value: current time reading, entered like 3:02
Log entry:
4:12
